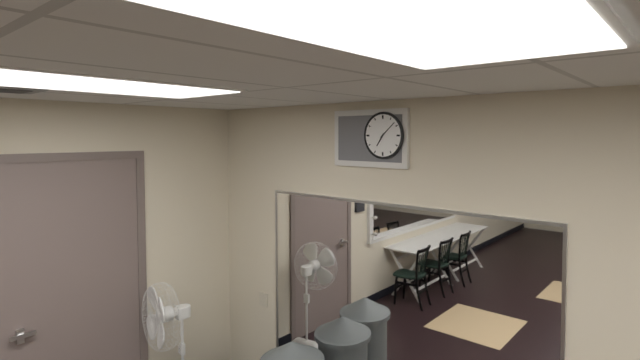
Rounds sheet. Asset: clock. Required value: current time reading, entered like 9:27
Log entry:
7:08
